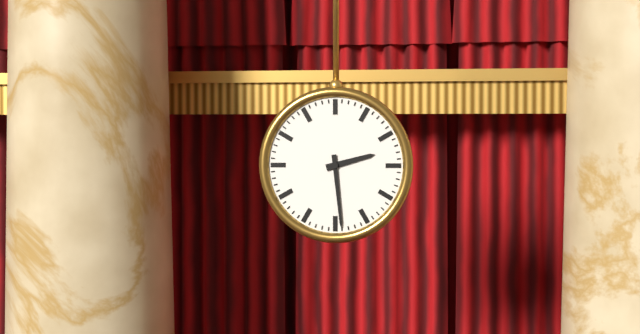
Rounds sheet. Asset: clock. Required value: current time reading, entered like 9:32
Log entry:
2:29
